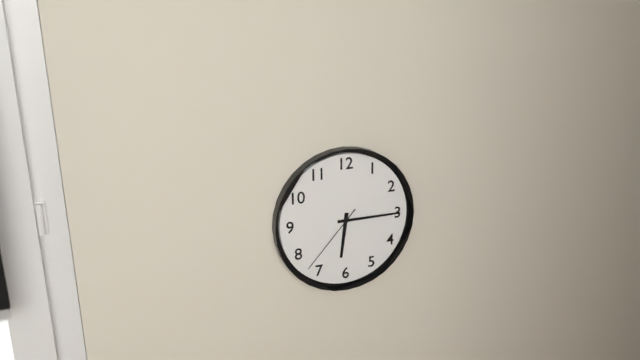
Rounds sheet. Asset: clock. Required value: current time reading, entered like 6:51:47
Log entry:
6:15:37
